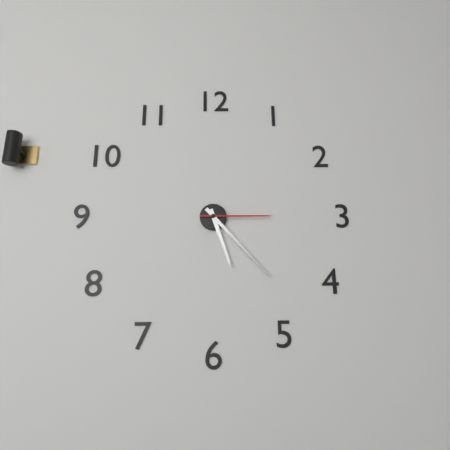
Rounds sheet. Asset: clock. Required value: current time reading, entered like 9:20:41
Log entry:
5:23:15
